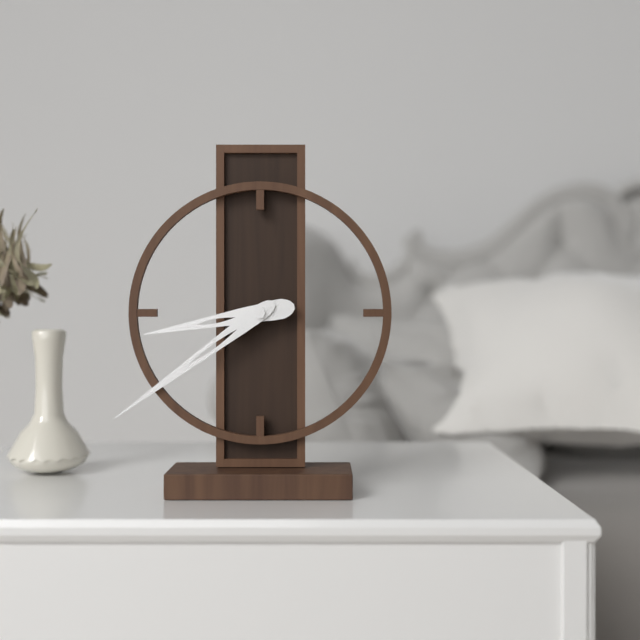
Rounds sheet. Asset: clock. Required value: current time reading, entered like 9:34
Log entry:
8:39
